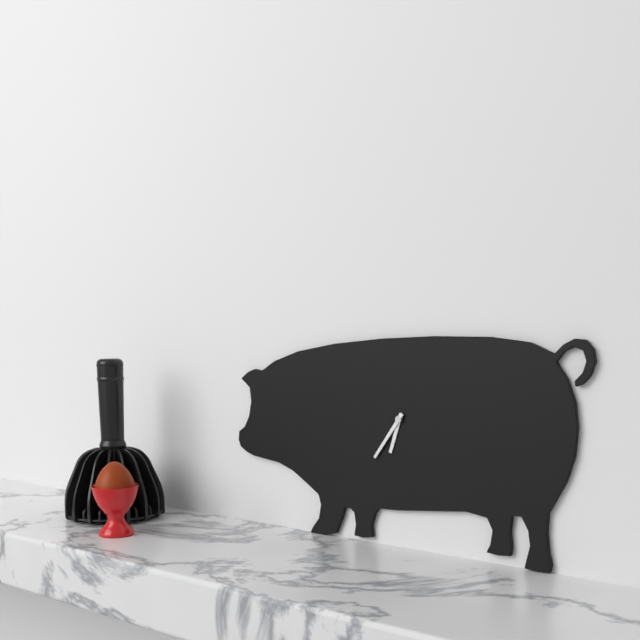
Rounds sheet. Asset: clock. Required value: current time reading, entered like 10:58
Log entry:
6:36
